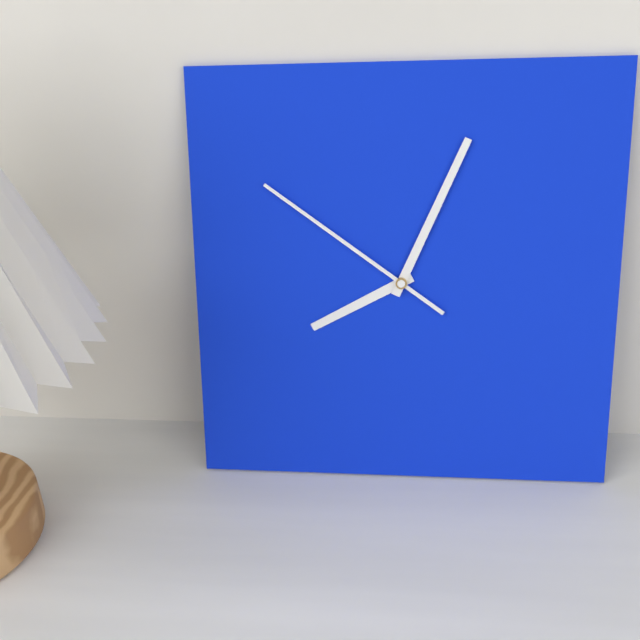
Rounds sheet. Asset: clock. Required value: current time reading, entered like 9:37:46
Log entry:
8:04:51
